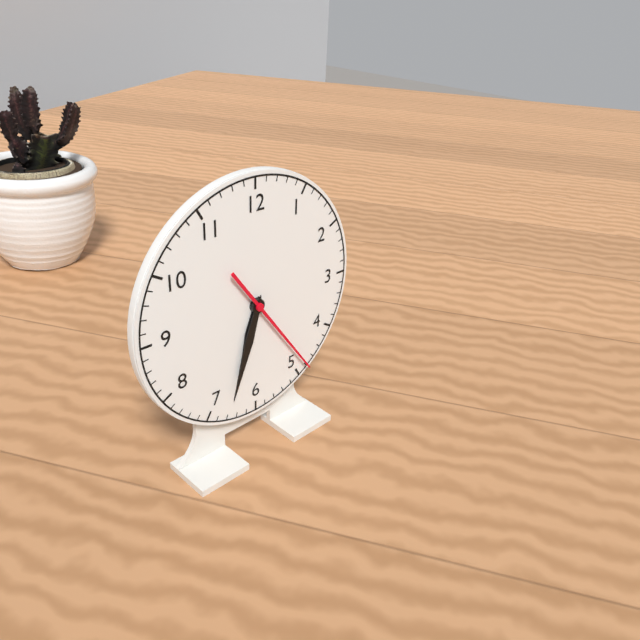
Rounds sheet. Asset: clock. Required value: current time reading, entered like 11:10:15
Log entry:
6:33:24
